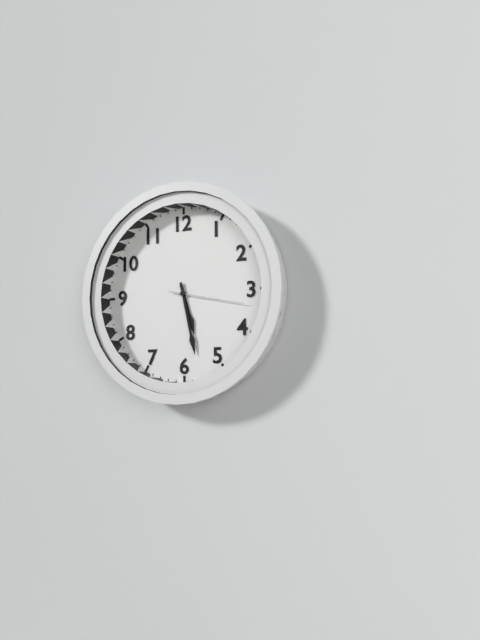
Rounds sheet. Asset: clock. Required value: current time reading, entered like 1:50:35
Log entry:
5:28:17
